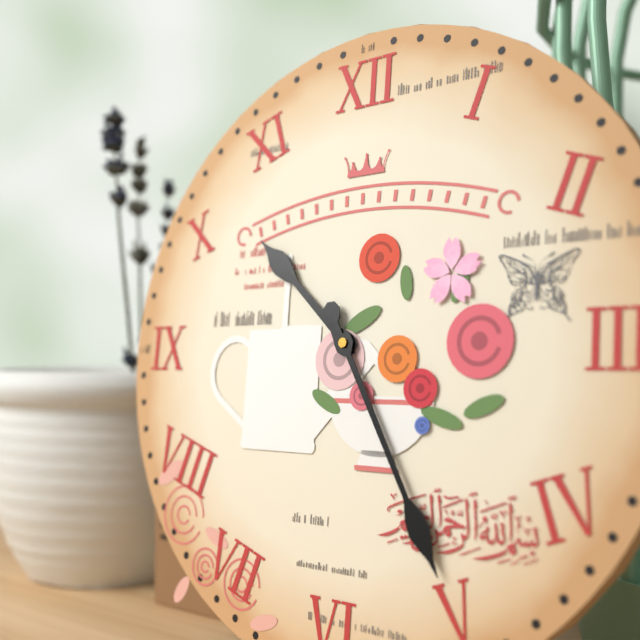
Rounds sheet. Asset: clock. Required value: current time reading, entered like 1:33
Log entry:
10:25
